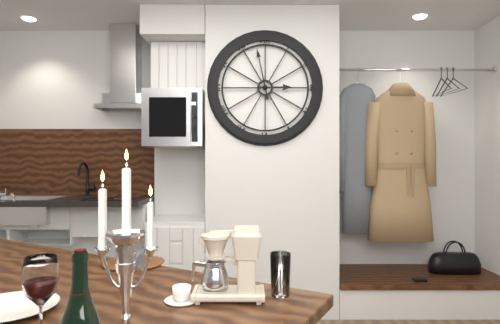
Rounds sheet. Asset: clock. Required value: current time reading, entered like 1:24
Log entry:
2:58
